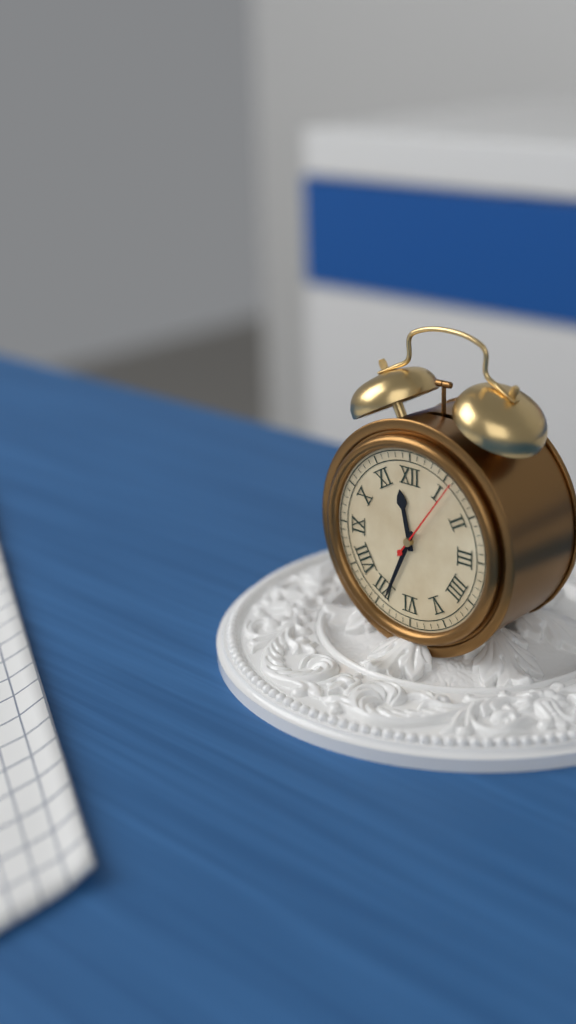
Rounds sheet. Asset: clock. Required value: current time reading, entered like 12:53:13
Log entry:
11:34:06
